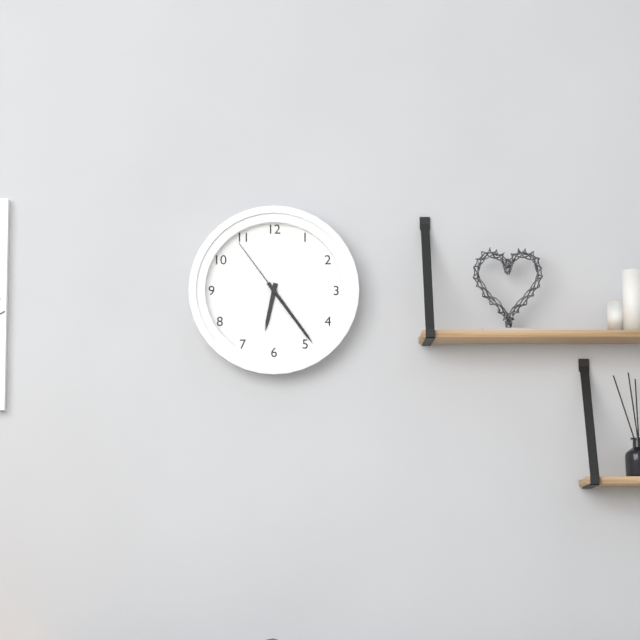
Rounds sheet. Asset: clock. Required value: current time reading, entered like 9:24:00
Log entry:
6:24:54
